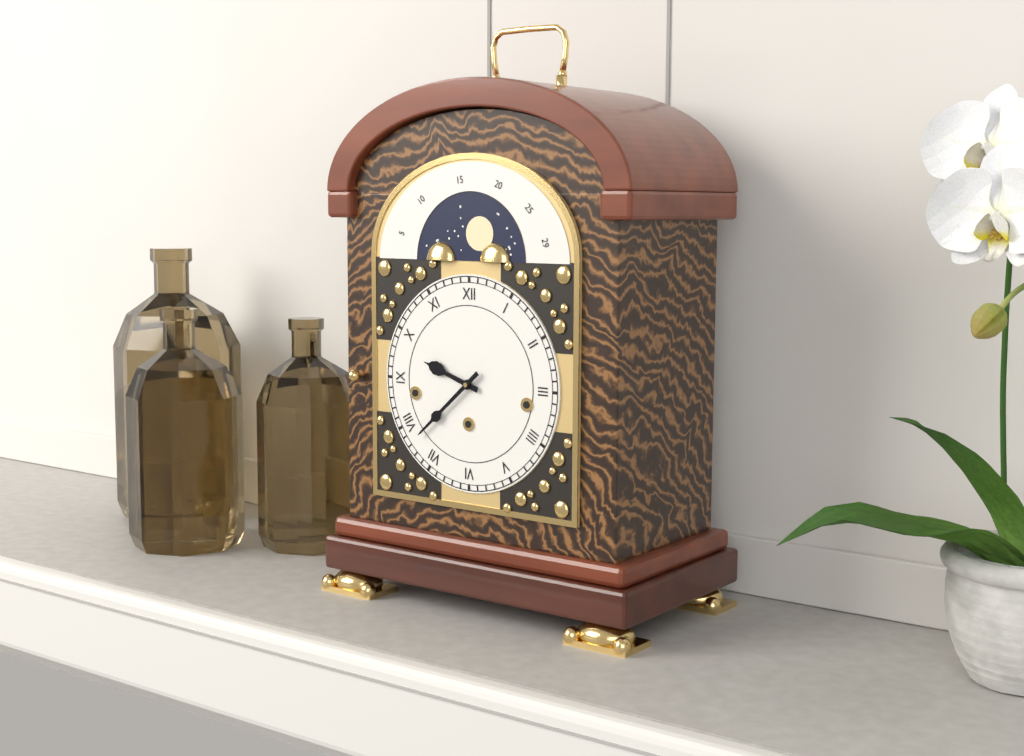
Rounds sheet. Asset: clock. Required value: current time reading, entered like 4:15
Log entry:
9:38
